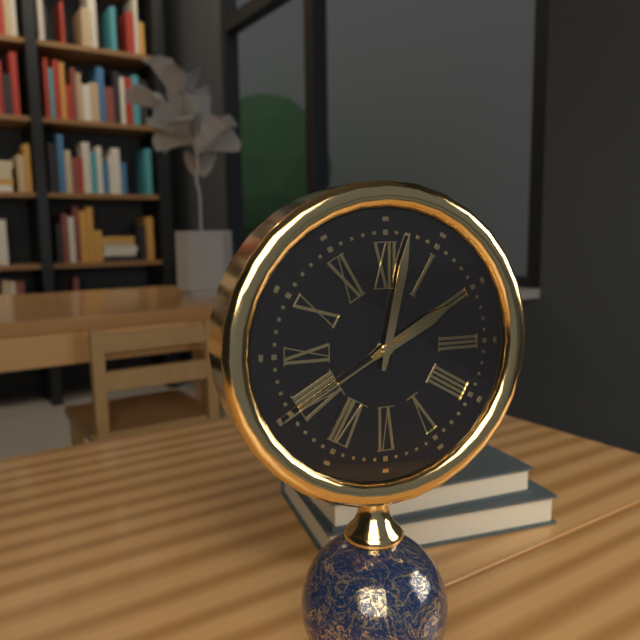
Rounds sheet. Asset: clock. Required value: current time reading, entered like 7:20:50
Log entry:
2:02:40
